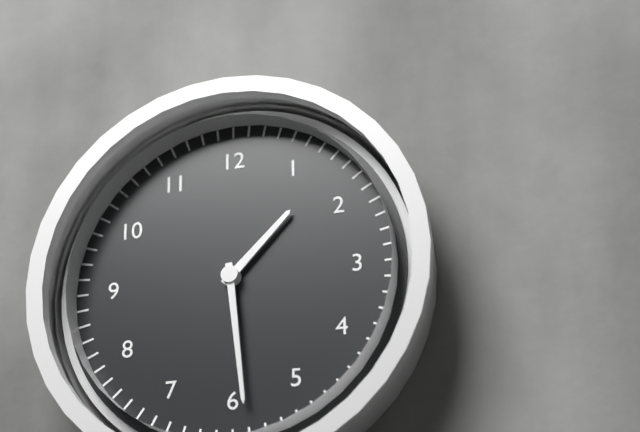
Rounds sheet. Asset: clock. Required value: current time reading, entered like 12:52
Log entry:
1:29
